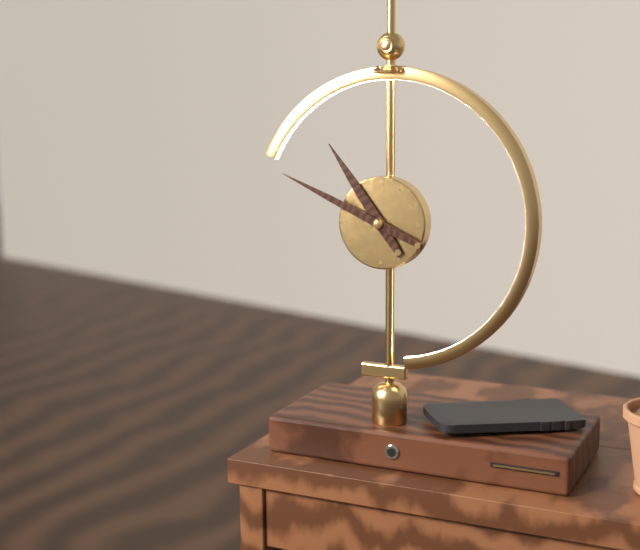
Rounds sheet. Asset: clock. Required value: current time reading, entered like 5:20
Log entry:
10:49
